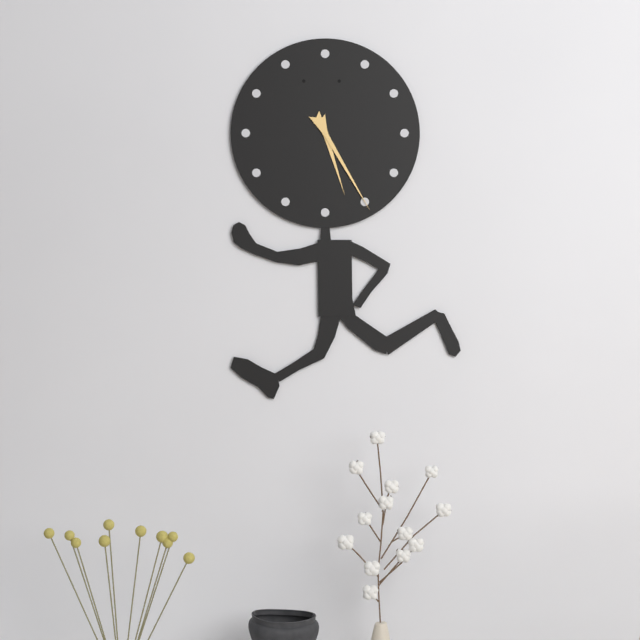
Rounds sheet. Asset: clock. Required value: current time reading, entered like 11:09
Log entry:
5:25
